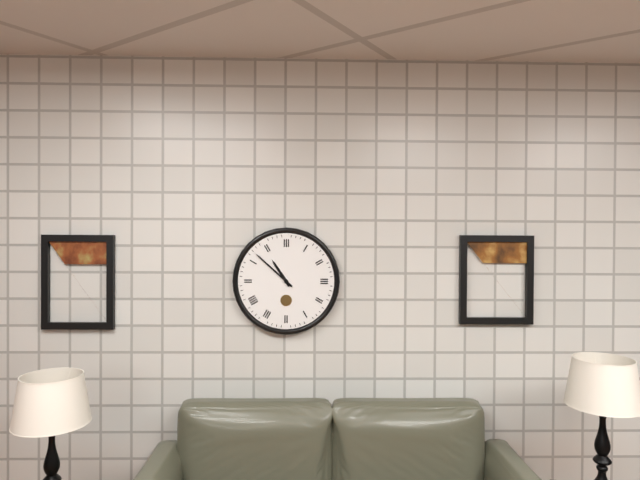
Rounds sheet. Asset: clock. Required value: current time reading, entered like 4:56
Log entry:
10:52
